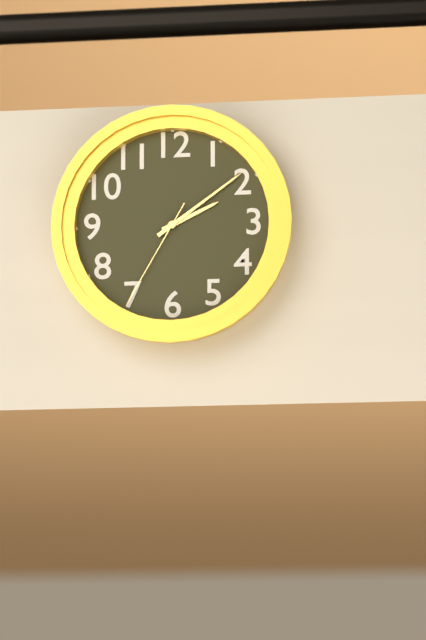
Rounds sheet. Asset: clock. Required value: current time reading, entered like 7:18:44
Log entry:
2:09:35
